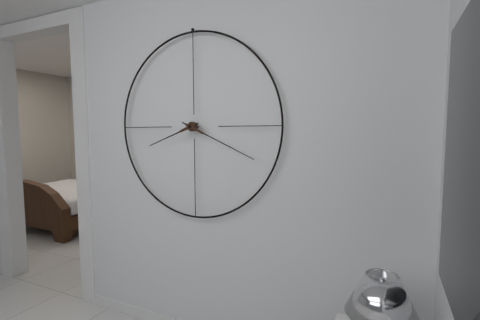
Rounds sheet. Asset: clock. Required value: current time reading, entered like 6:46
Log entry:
8:19
